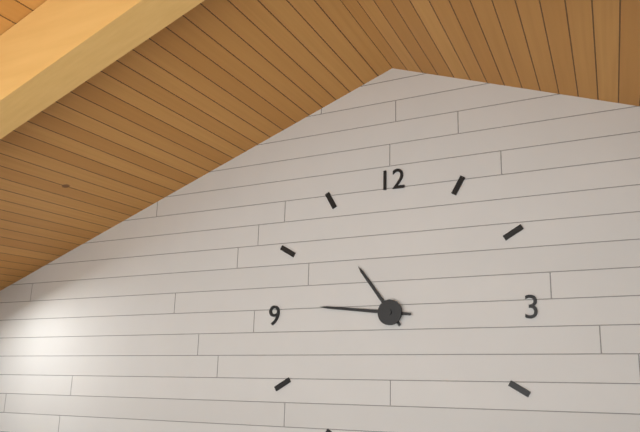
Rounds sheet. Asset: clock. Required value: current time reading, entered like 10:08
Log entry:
10:46
